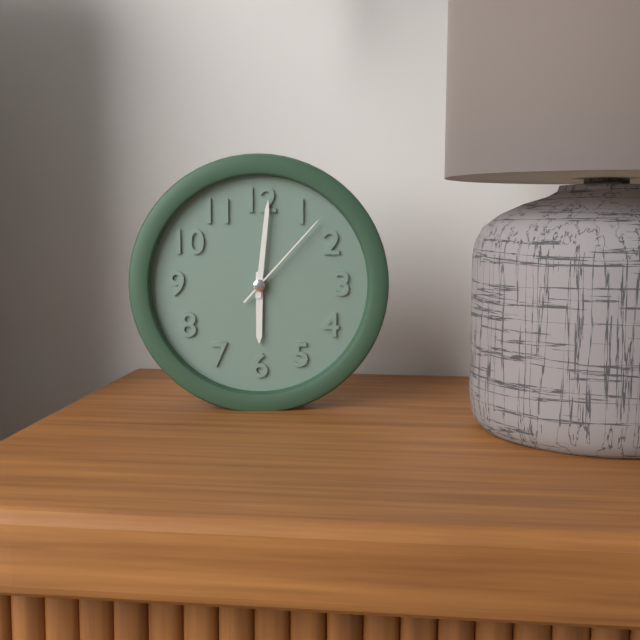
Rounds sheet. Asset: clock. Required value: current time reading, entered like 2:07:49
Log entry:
6:01:07
